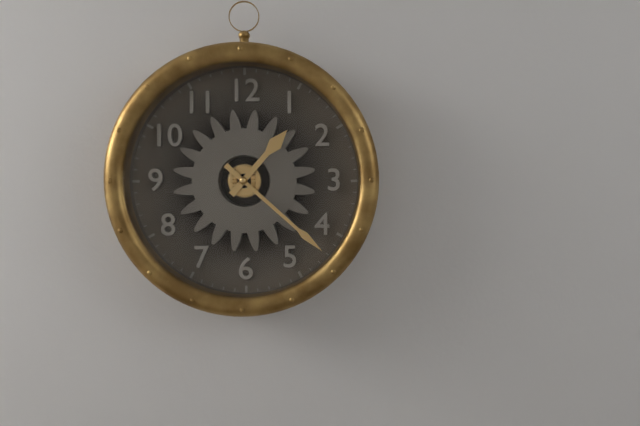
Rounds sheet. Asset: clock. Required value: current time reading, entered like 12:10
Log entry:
1:22
